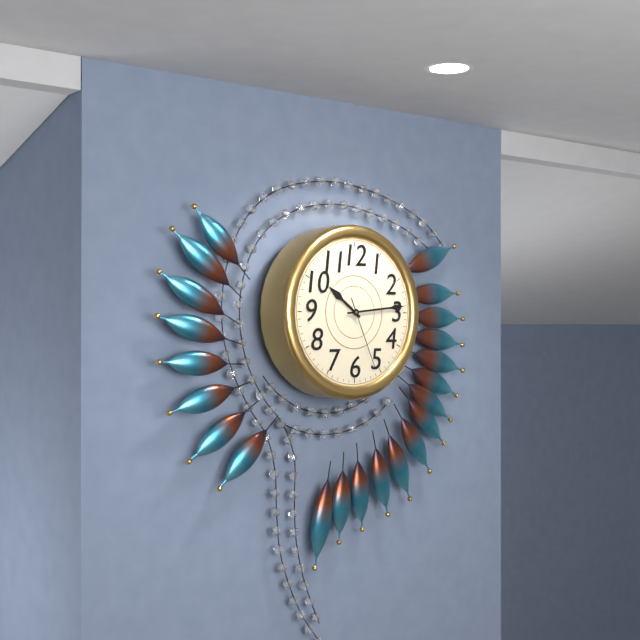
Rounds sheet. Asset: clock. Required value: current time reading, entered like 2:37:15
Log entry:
10:14:26
